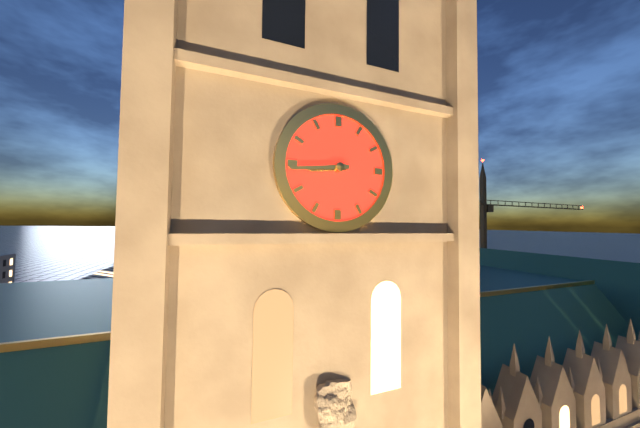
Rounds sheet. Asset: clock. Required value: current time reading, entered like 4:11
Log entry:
8:44
